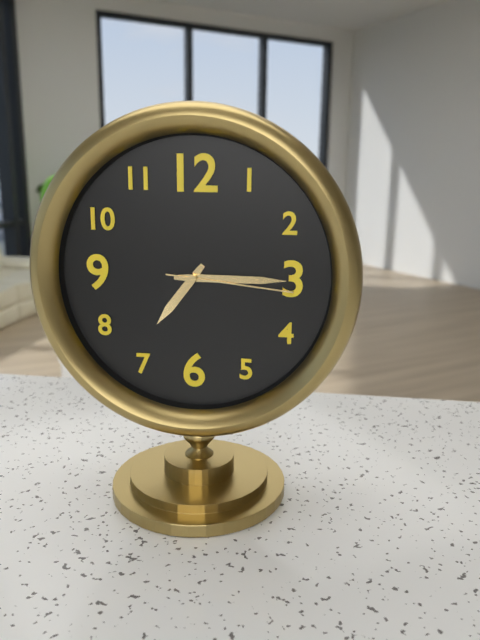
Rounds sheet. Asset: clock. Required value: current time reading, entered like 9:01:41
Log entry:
7:15:16
